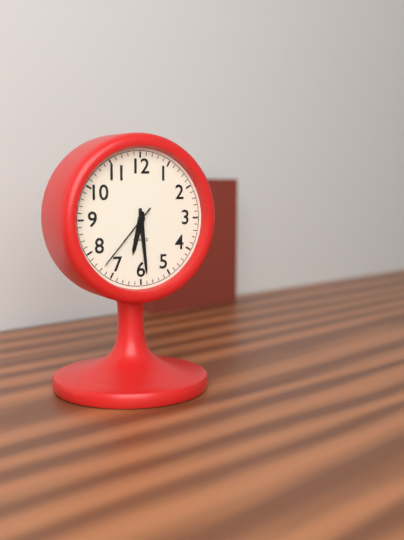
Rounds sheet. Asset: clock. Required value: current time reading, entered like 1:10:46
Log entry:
6:29:37
